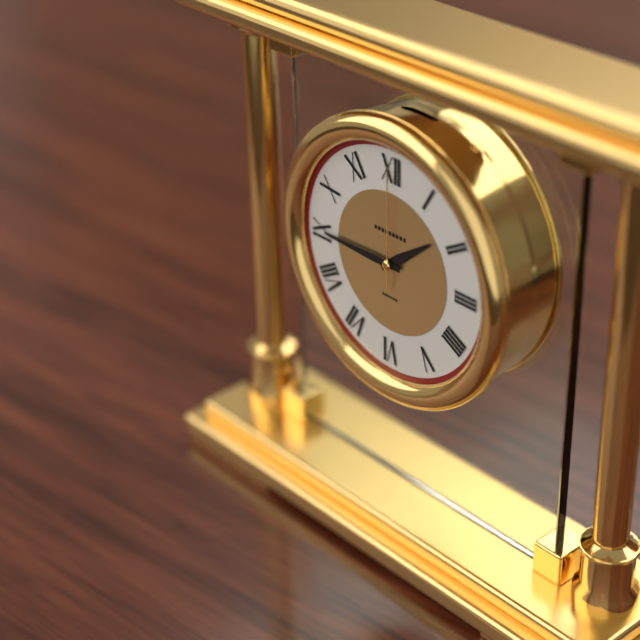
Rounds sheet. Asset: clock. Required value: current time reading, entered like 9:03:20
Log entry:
1:45:00
